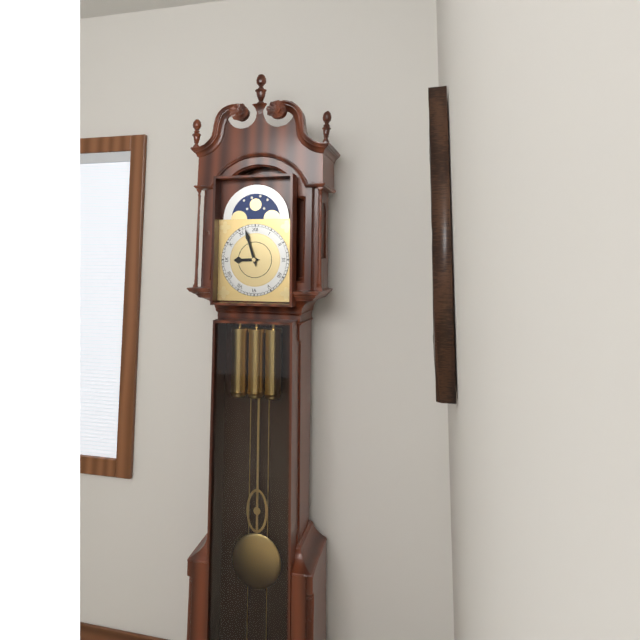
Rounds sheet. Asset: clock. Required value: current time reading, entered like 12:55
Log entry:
8:57
